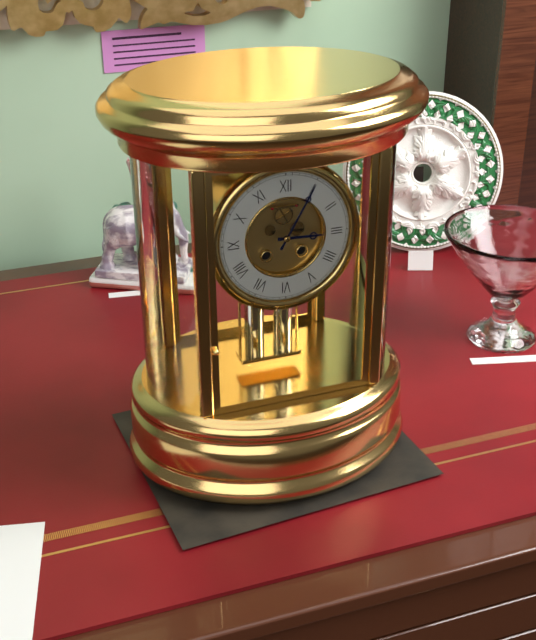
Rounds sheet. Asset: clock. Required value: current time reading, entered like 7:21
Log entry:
3:05
